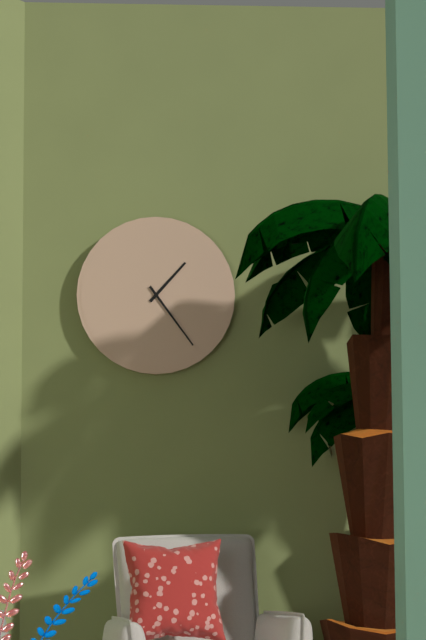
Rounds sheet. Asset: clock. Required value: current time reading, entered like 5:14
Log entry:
1:24
